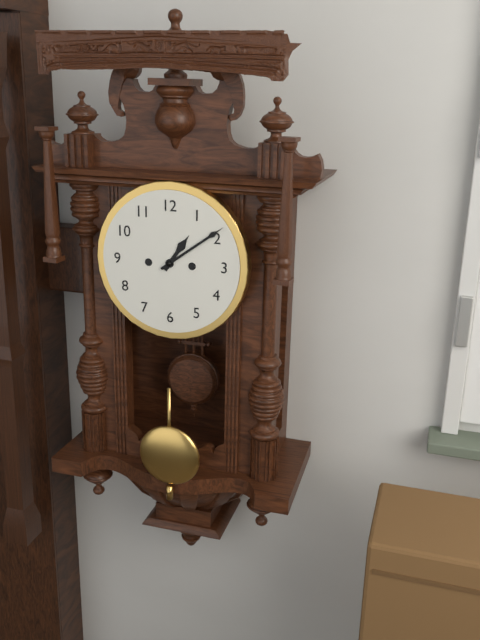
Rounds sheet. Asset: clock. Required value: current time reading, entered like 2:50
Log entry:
1:09
